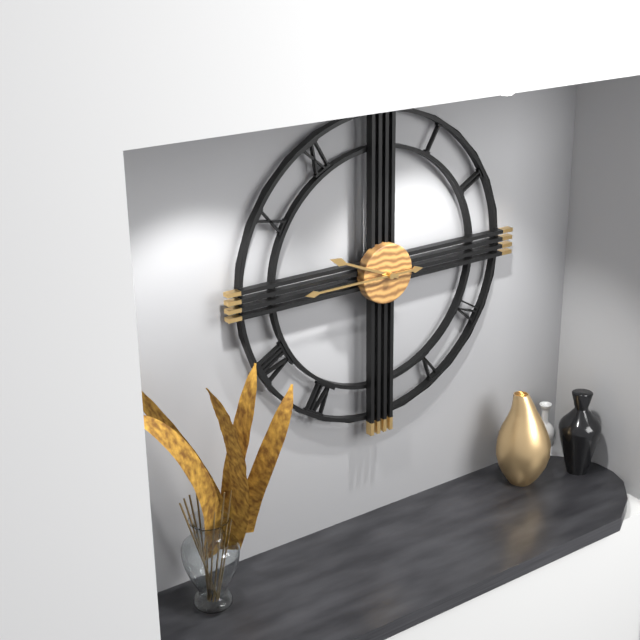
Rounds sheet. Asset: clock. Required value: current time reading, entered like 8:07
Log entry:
9:45
